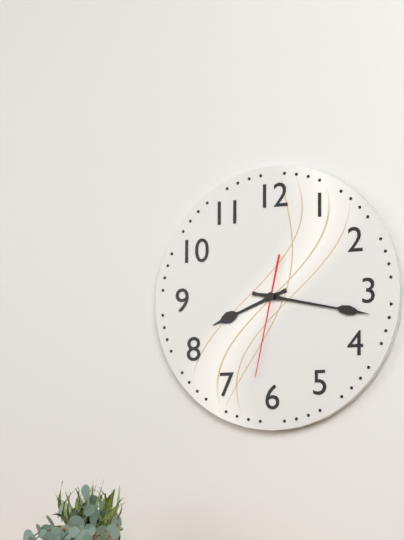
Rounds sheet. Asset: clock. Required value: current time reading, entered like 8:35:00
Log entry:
8:17:32
